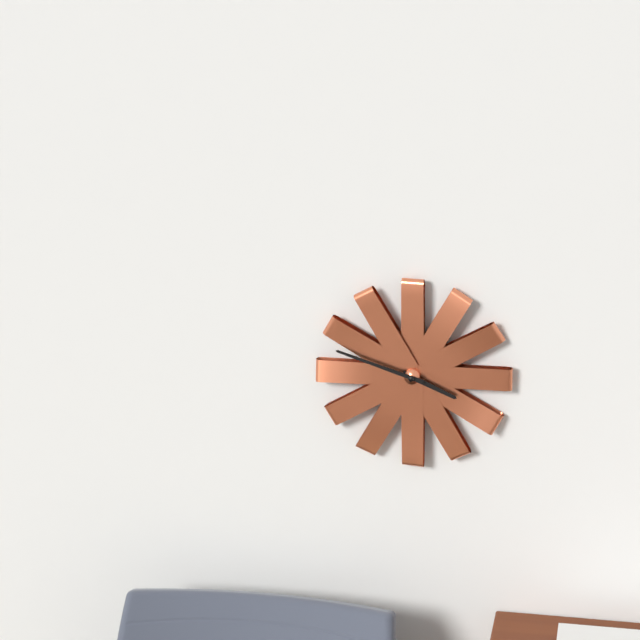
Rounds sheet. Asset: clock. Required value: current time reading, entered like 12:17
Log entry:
3:48
